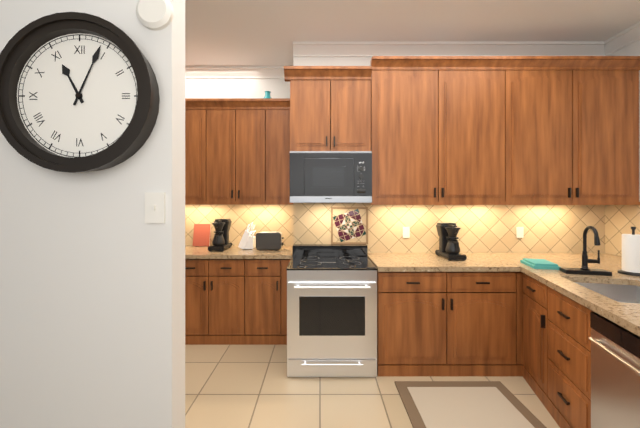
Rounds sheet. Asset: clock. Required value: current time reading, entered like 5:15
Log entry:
11:04
